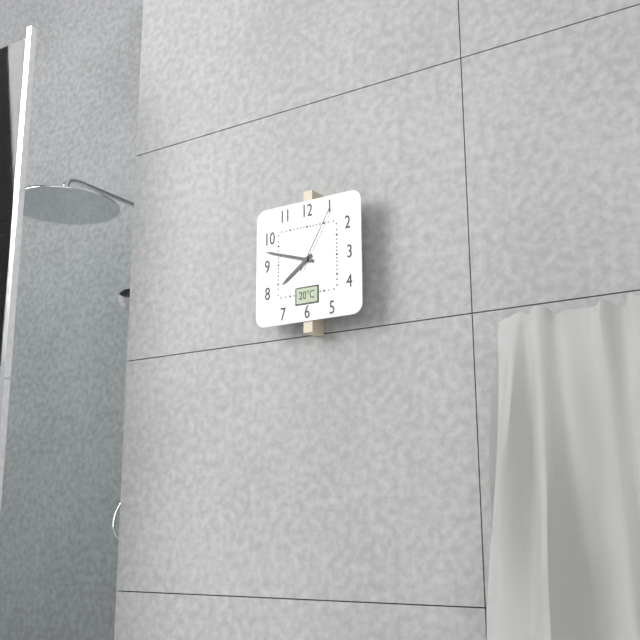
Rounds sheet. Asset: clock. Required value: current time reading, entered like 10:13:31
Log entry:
7:48:05
